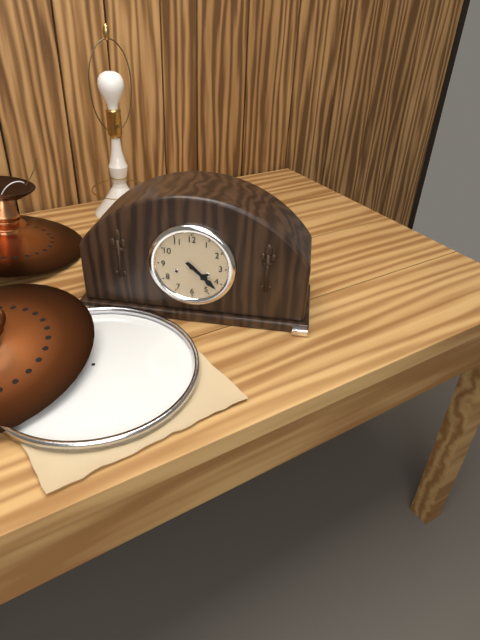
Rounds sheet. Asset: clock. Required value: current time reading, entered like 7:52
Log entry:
4:22
